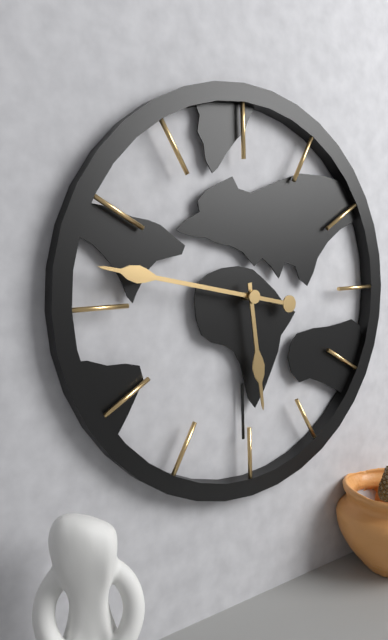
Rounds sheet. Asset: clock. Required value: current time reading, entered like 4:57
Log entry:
5:47
